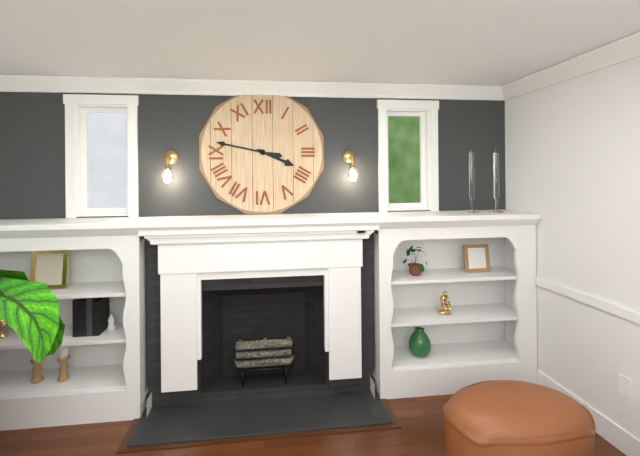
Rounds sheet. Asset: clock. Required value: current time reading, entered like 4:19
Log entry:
3:47
